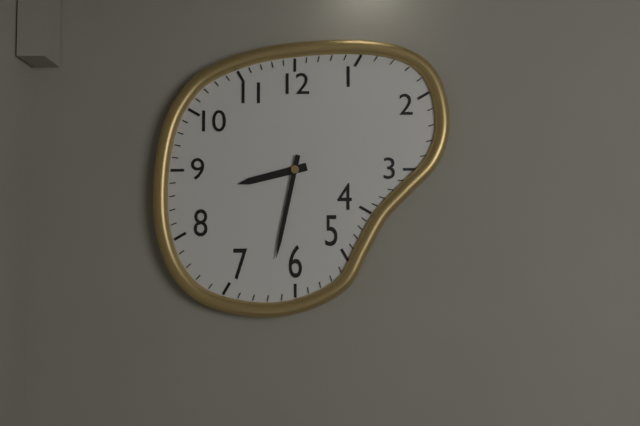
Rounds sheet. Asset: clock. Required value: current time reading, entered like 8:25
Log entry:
8:32
